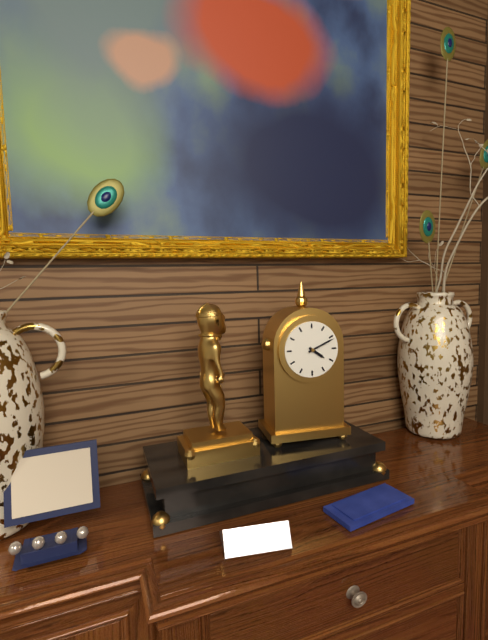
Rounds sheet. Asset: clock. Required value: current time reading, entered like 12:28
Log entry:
4:11
